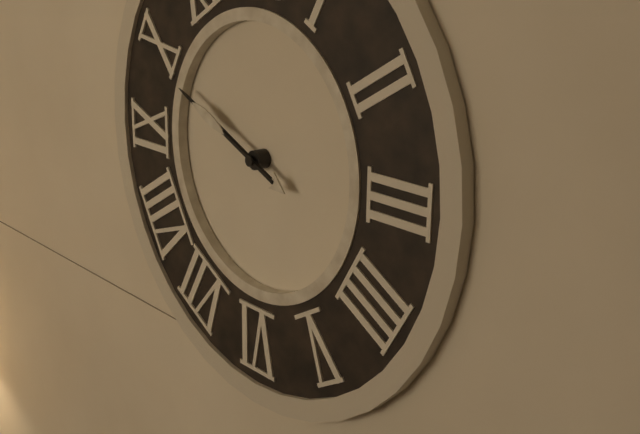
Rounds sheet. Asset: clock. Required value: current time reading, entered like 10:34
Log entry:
9:49
